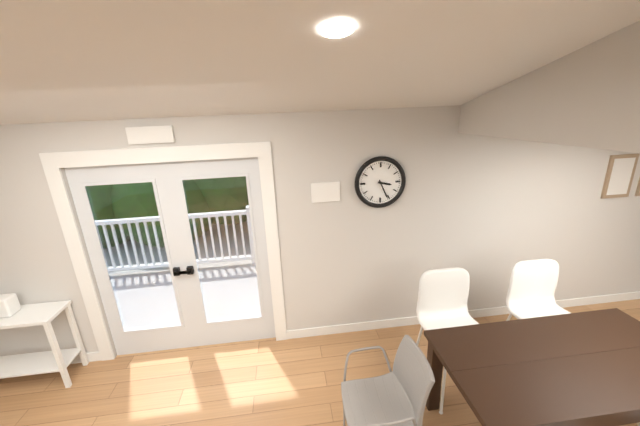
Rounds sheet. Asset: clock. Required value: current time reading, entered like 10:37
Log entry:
3:26
